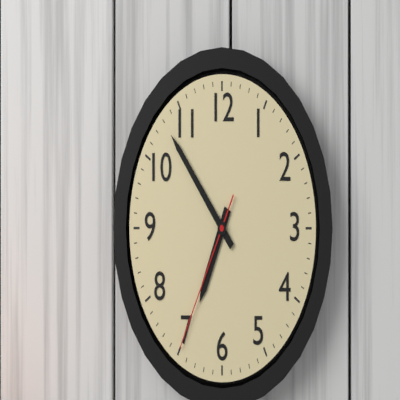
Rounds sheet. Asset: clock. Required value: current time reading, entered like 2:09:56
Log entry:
6:53:35
